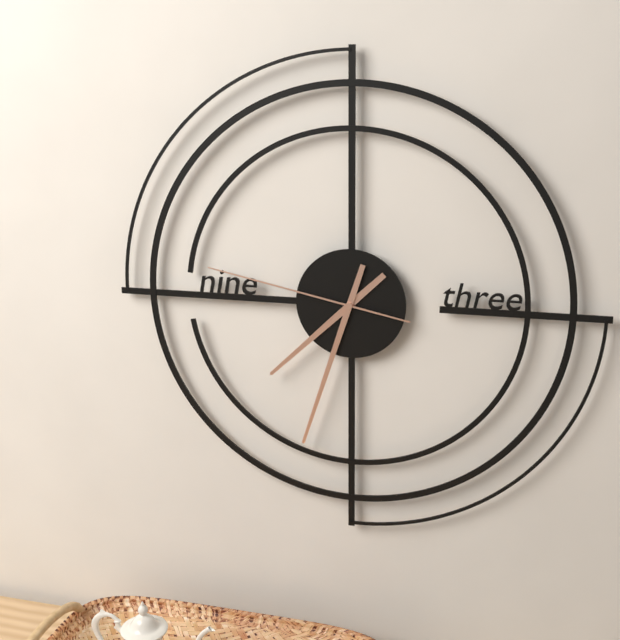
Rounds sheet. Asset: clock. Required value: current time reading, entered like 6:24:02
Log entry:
7:33:47
